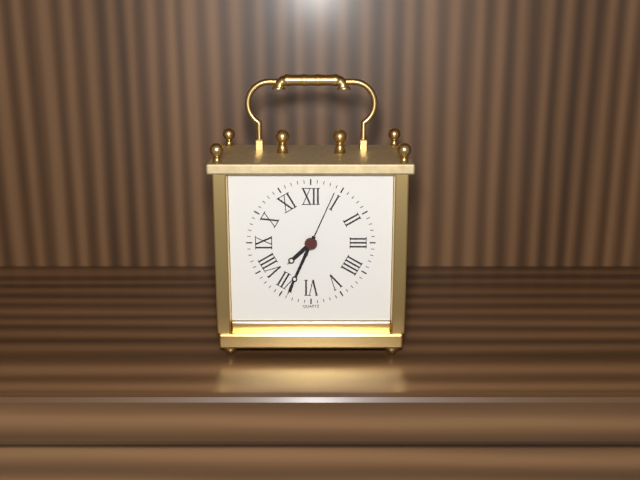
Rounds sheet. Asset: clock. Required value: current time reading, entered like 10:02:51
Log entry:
7:34:04
